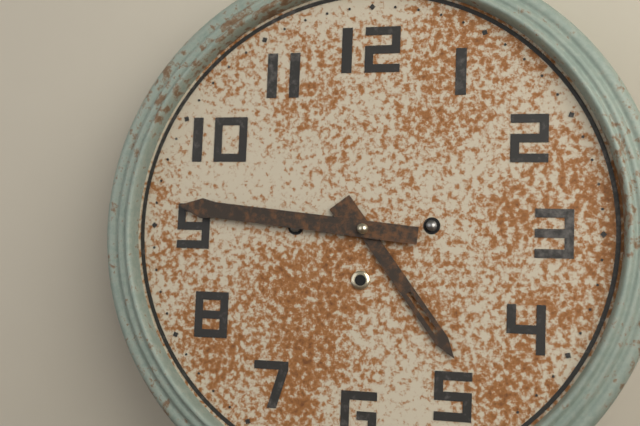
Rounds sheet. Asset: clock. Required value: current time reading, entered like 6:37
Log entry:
4:46
